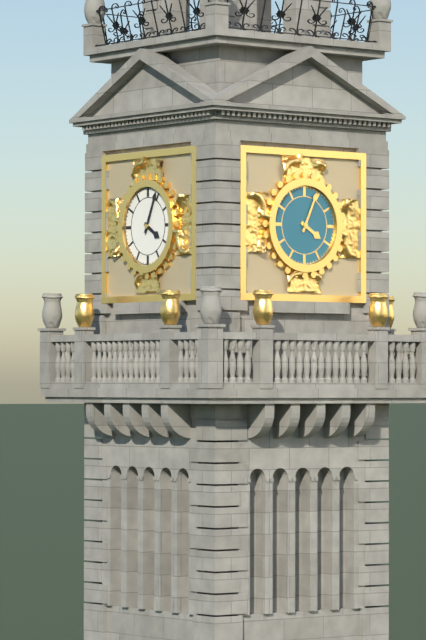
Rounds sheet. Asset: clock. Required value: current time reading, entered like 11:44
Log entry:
4:04
